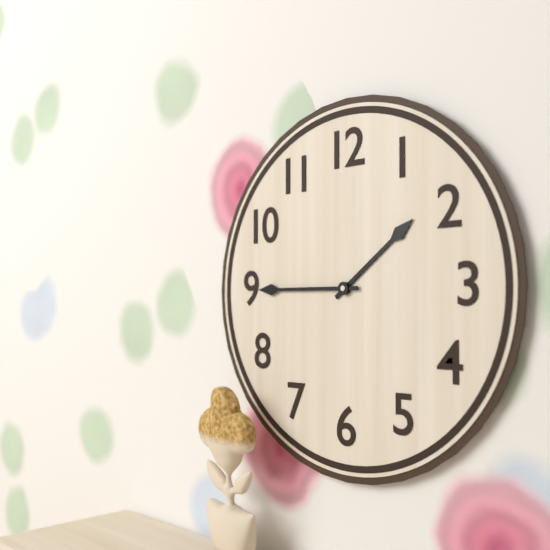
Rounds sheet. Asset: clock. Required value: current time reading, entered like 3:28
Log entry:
1:45
